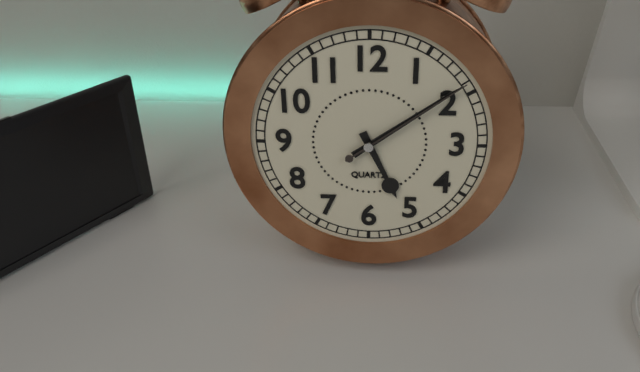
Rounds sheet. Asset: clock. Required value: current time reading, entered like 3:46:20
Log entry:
5:09:09
